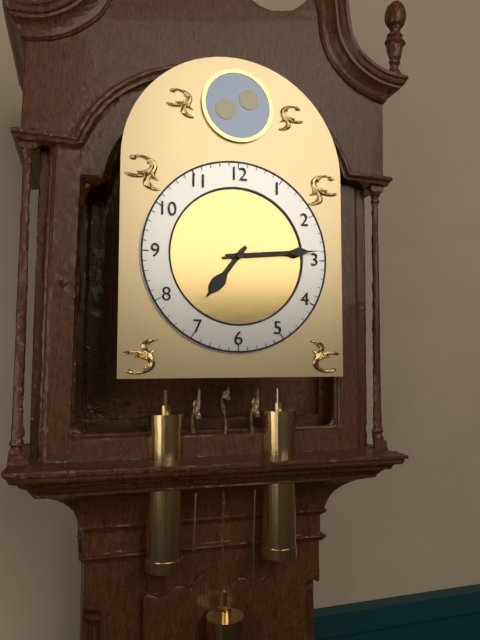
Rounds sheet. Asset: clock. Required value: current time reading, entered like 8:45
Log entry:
7:14
